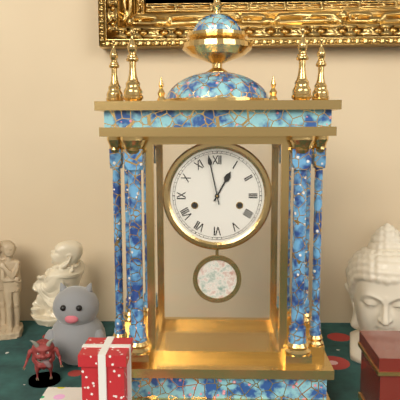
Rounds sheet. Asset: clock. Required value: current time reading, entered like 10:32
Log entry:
12:58
